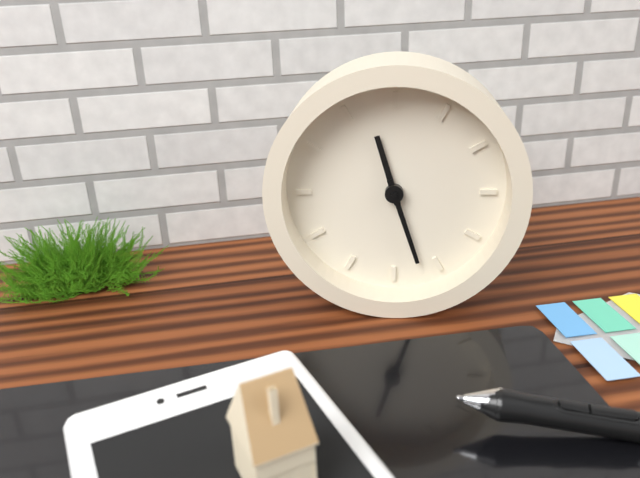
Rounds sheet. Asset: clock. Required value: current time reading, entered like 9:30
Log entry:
11:27
